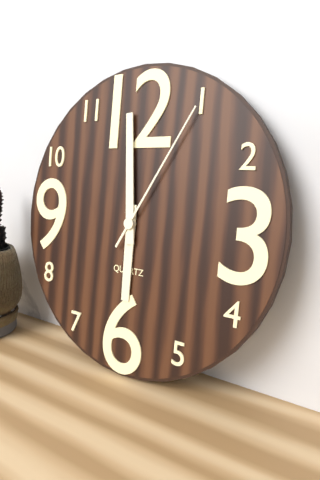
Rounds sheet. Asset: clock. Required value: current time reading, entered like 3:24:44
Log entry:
5:59:05
